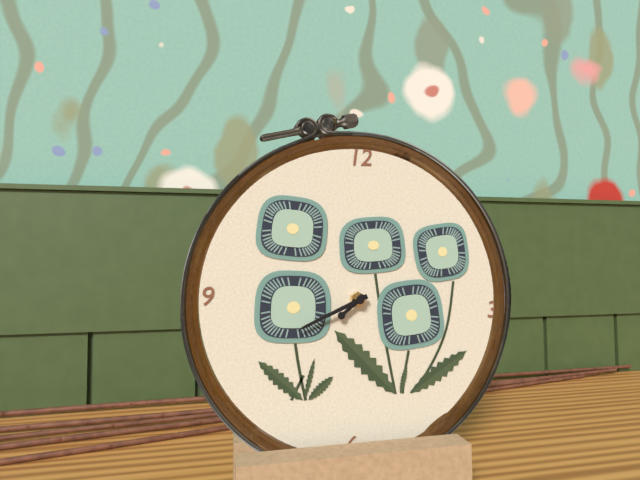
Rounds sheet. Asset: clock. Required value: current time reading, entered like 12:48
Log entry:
7:41
